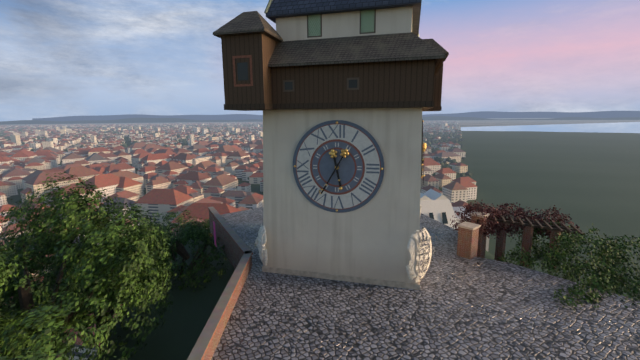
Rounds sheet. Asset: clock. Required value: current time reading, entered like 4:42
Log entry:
5:35
